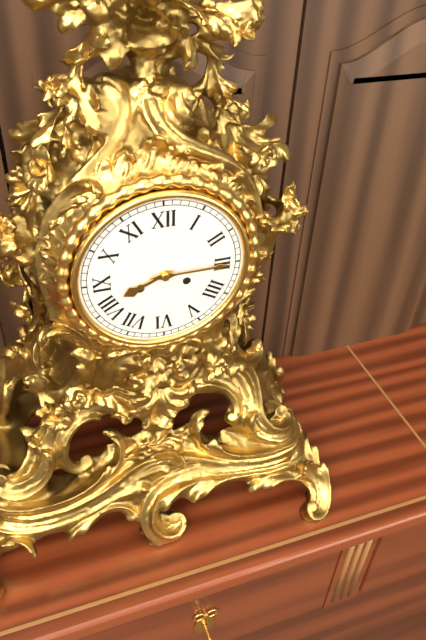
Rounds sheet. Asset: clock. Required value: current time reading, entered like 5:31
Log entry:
8:15
